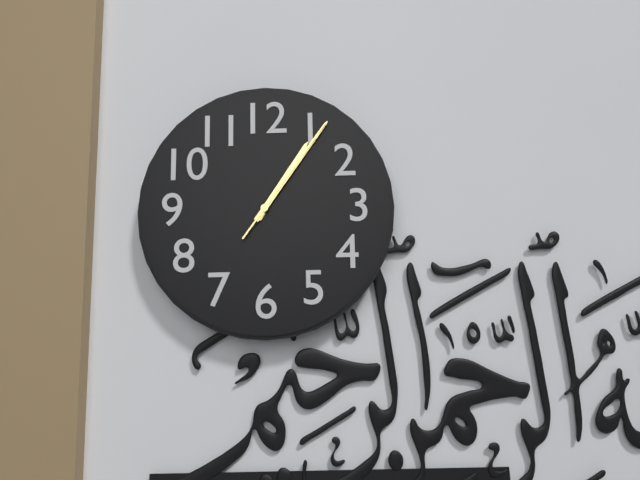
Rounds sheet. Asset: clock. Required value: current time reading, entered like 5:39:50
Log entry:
1:06:06
